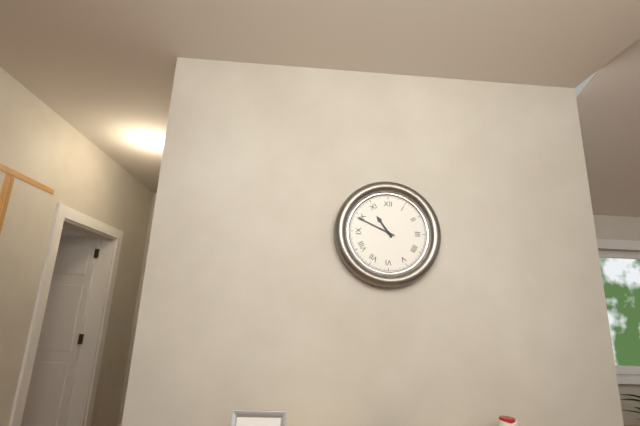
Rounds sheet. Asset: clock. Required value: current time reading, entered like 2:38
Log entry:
10:49
